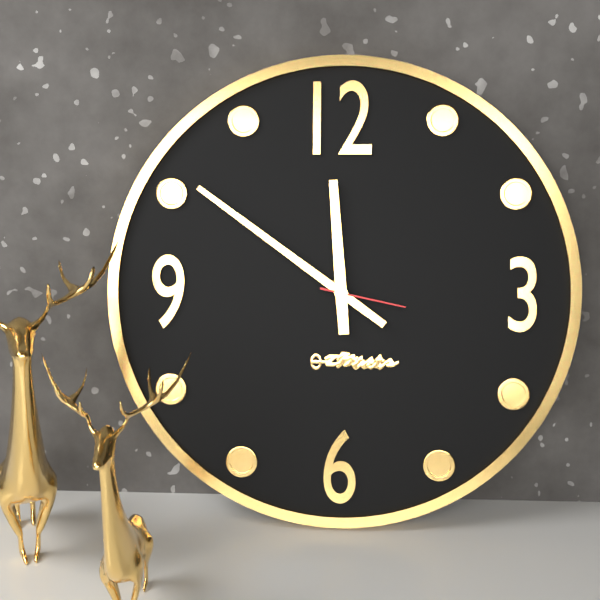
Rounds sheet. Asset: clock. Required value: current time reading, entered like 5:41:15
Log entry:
11:51:17
